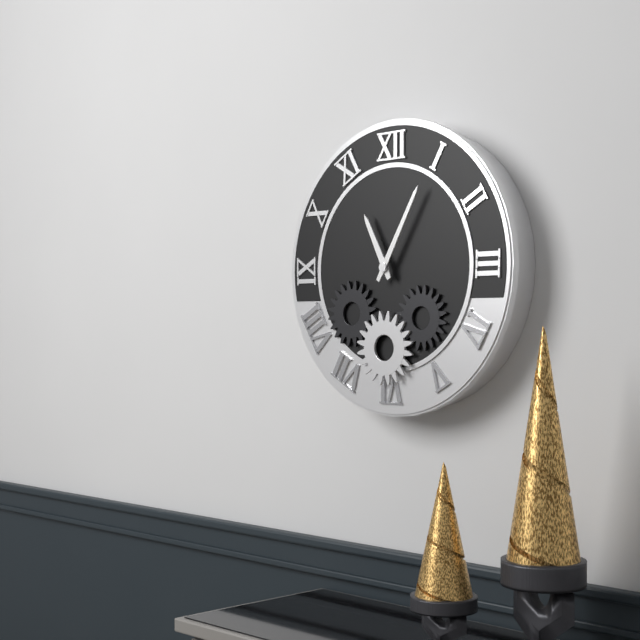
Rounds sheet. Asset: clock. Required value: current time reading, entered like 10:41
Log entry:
11:05
